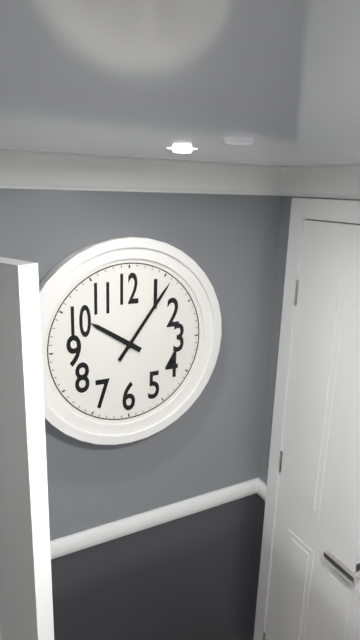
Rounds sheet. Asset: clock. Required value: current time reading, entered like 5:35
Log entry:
10:06
